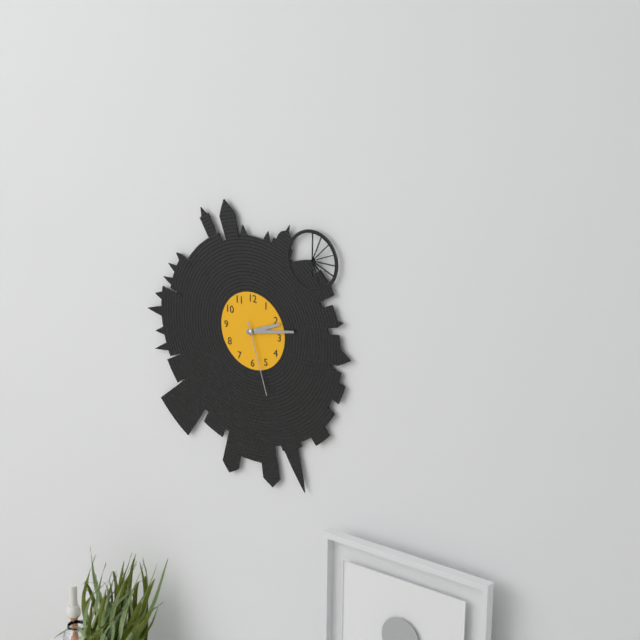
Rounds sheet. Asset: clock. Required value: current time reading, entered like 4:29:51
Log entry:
2:13:27
